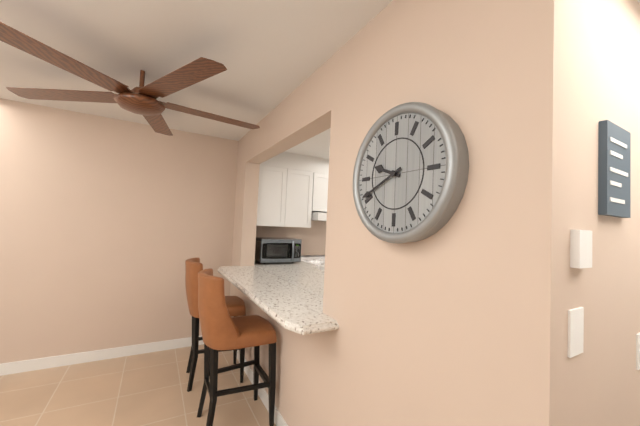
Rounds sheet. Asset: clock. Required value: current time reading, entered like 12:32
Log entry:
9:41
